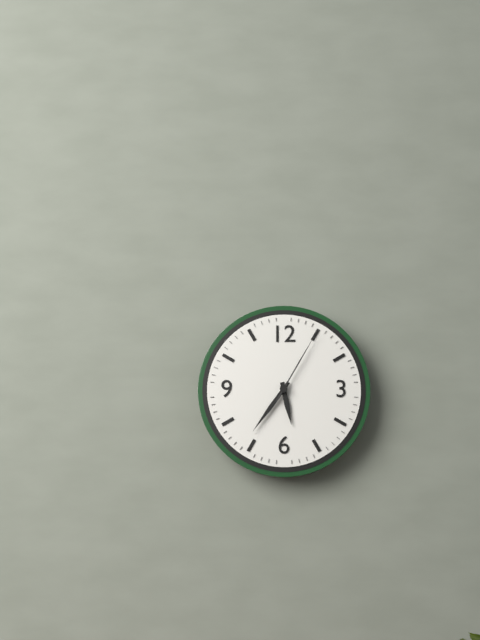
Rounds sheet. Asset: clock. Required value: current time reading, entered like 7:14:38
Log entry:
5:36:05
